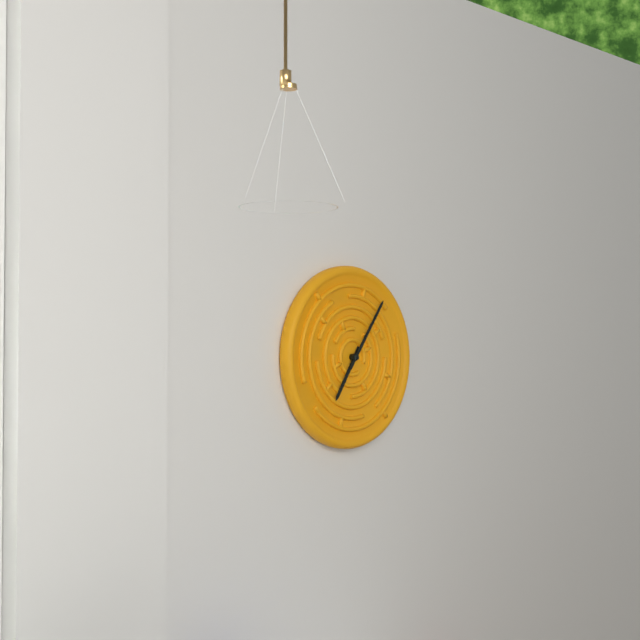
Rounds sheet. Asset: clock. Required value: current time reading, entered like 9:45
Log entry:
7:06
